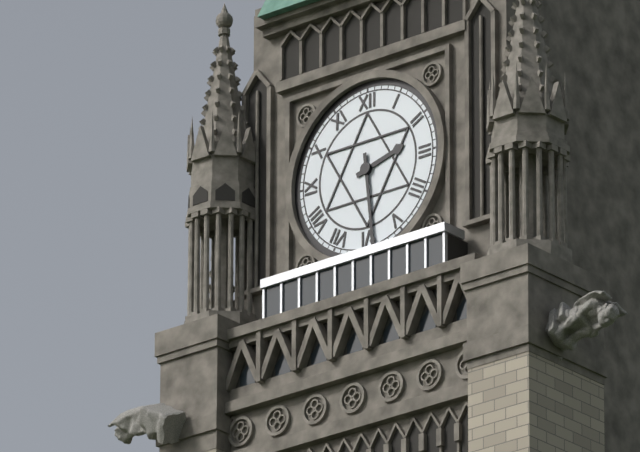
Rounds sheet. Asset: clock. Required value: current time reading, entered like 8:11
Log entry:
2:29
